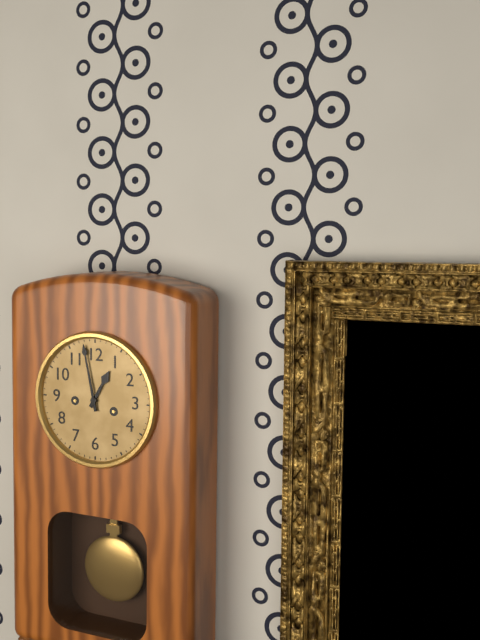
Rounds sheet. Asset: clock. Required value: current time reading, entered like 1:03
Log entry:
12:58
